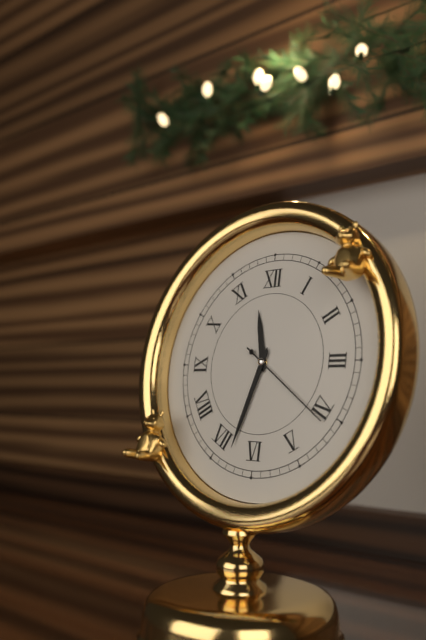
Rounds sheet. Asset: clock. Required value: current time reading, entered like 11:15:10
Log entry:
11:33:21
